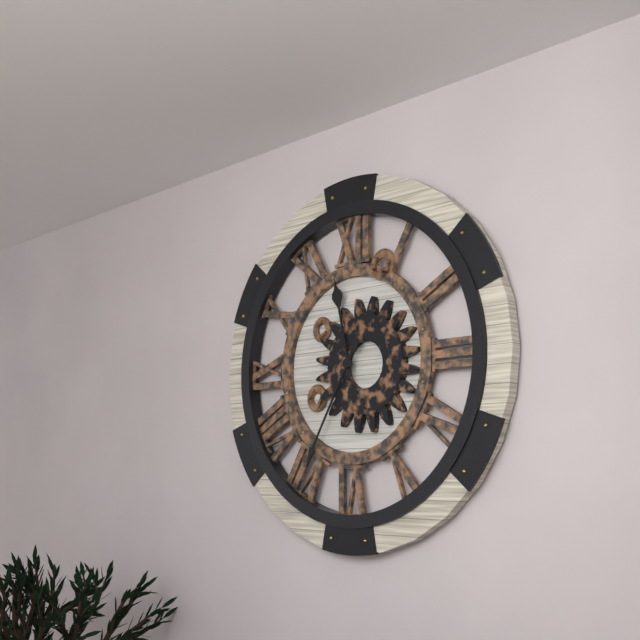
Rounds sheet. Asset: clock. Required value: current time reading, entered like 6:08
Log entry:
11:35
